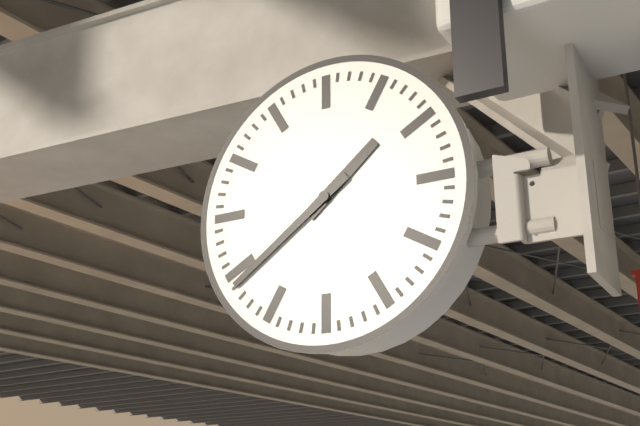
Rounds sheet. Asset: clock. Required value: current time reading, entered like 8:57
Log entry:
1:39
